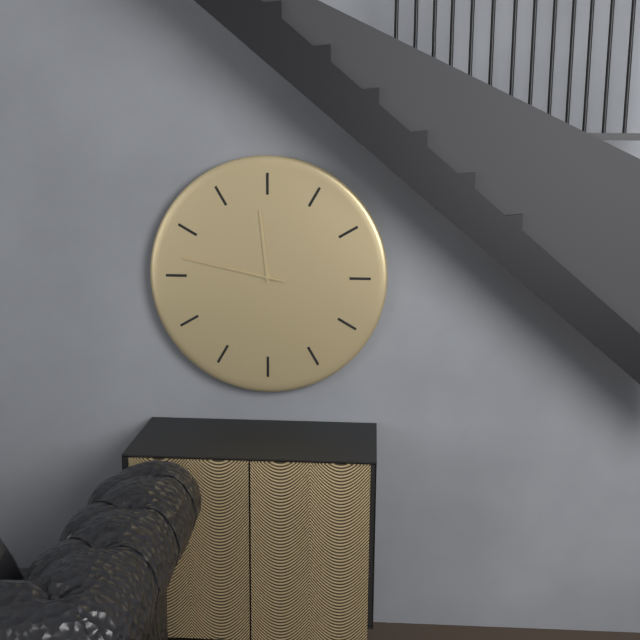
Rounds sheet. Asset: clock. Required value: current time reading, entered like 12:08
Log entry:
11:47
